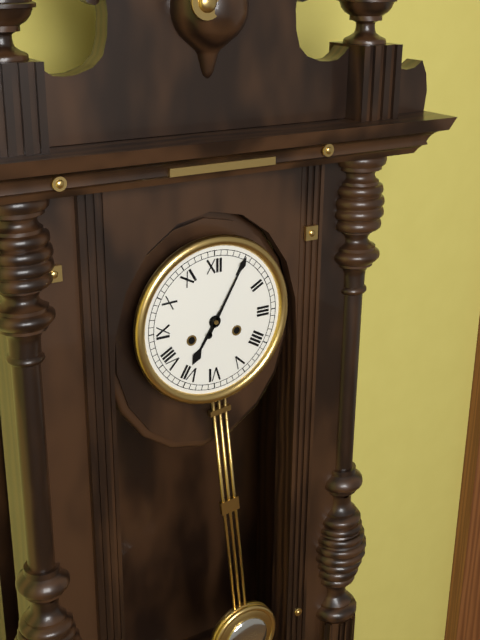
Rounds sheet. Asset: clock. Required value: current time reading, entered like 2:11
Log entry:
7:05
